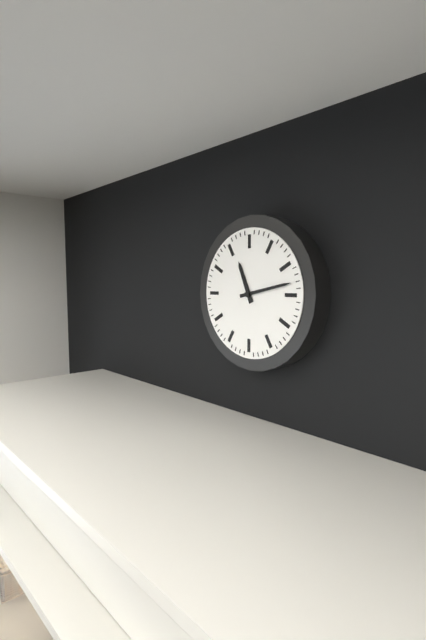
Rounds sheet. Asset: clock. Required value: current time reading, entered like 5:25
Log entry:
11:13
